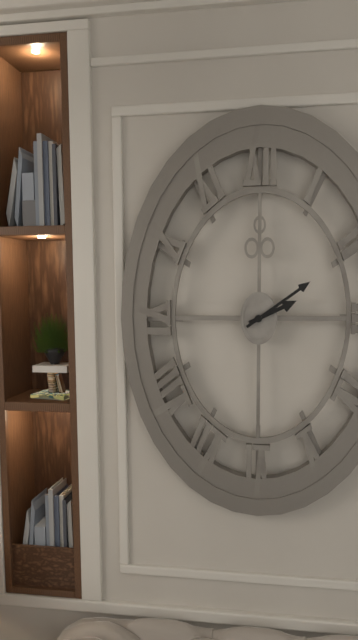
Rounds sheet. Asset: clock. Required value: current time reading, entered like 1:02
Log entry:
2:09
